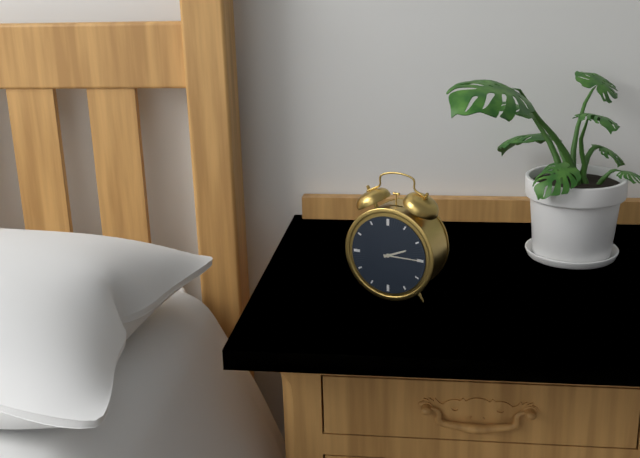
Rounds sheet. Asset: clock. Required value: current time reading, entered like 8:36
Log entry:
2:15
